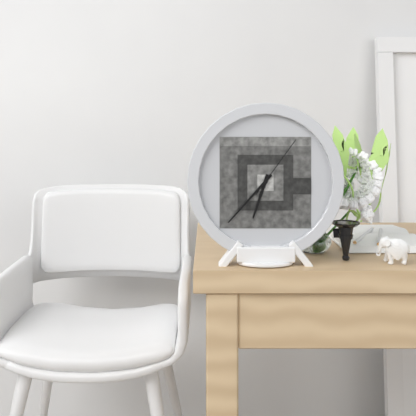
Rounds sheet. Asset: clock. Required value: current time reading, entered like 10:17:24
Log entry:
6:37:06
